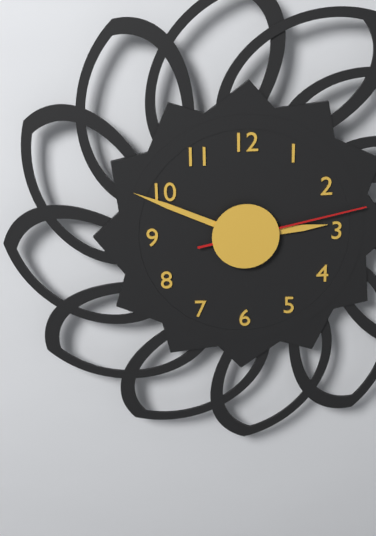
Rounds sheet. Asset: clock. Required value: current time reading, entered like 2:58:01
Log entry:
2:49:13
